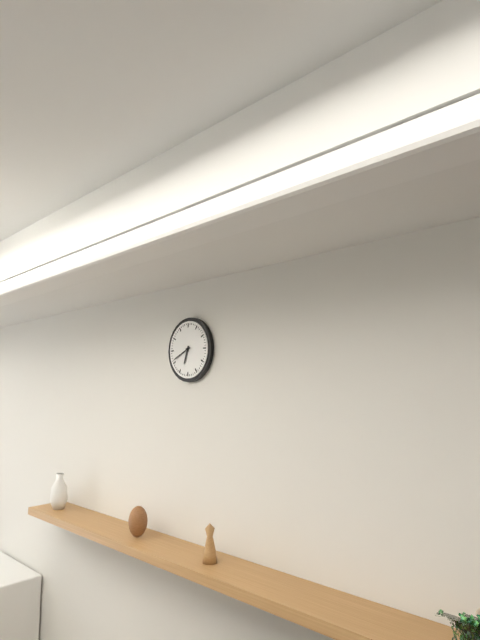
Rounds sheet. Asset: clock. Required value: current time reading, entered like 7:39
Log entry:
6:41
